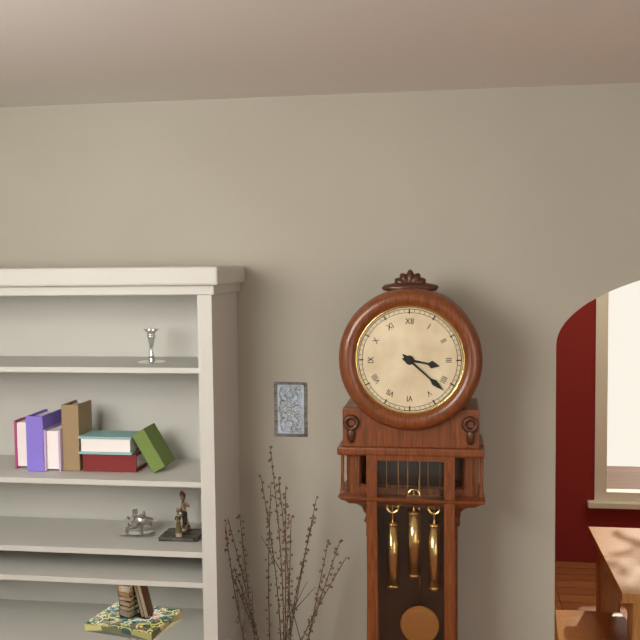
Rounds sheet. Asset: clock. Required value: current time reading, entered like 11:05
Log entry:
3:22
